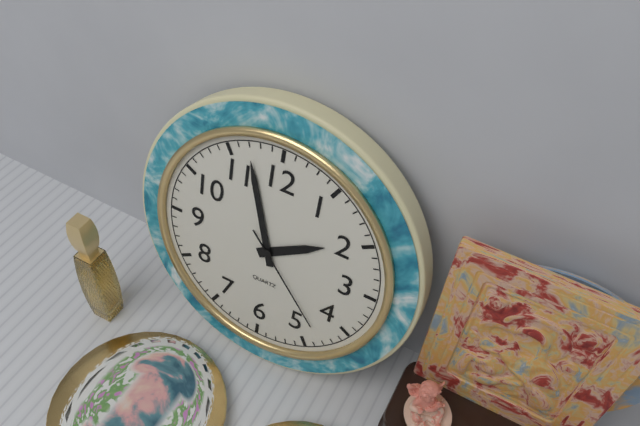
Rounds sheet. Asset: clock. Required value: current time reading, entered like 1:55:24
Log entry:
1:57:23
